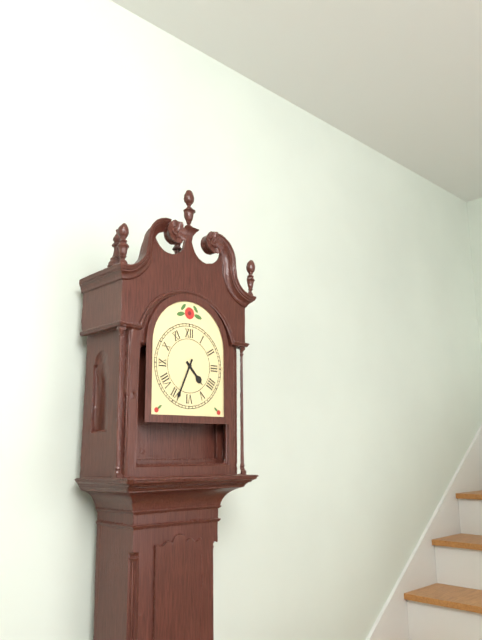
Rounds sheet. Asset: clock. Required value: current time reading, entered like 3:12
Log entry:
4:34
